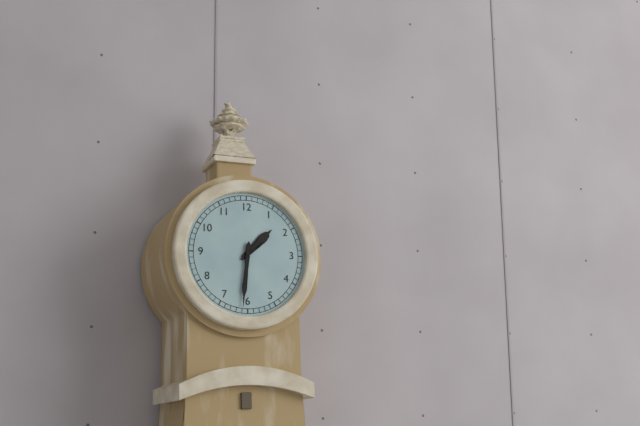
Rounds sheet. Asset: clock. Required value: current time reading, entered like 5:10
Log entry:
1:31
